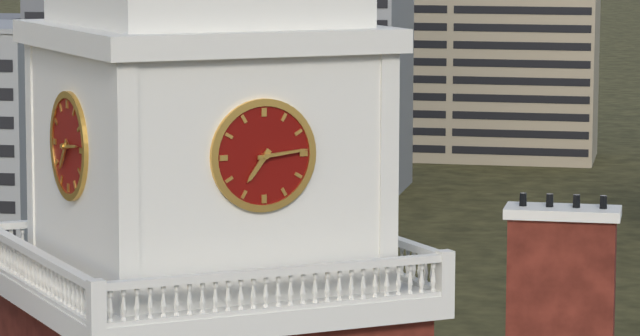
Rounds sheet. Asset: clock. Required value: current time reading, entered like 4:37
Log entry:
7:14
